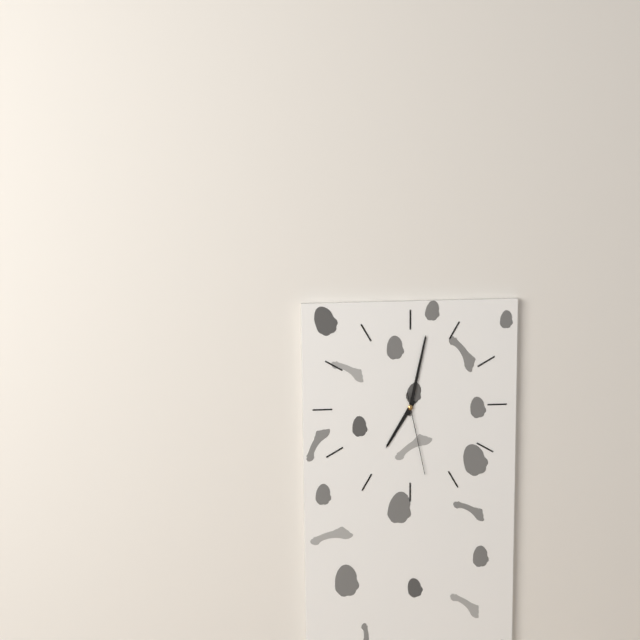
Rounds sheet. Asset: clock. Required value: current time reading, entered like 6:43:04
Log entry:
7:02:28
